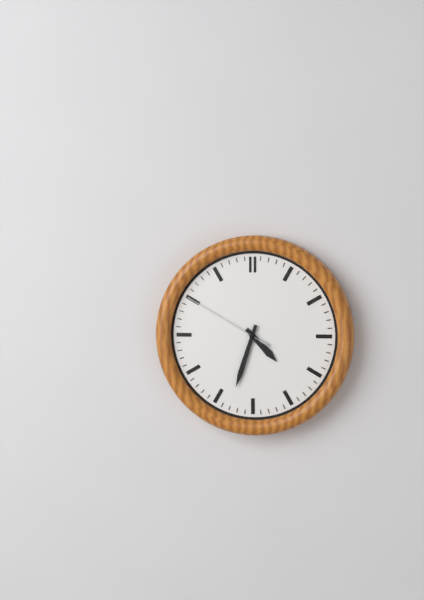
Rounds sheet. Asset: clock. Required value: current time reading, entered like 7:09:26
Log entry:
4:33:50
